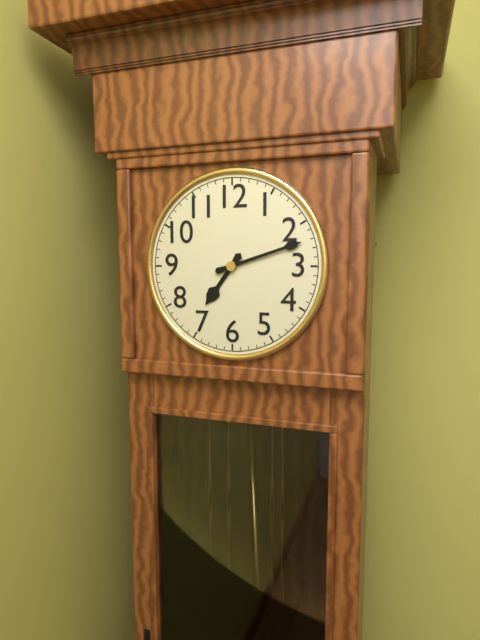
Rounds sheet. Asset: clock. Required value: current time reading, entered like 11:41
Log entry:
7:12
